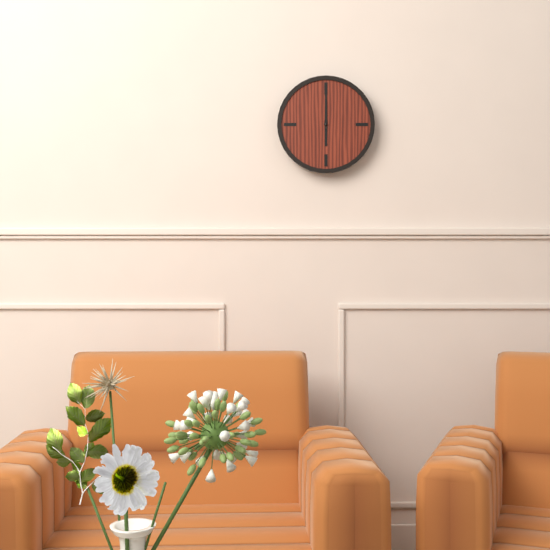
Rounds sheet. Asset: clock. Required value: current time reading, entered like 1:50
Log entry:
6:00
